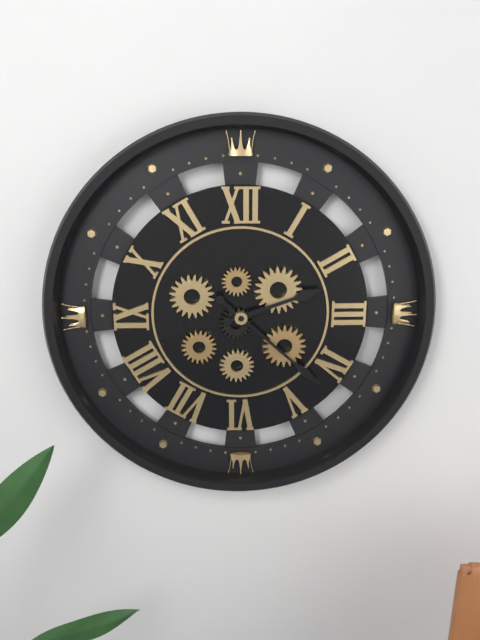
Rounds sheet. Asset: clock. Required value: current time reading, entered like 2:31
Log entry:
2:22
